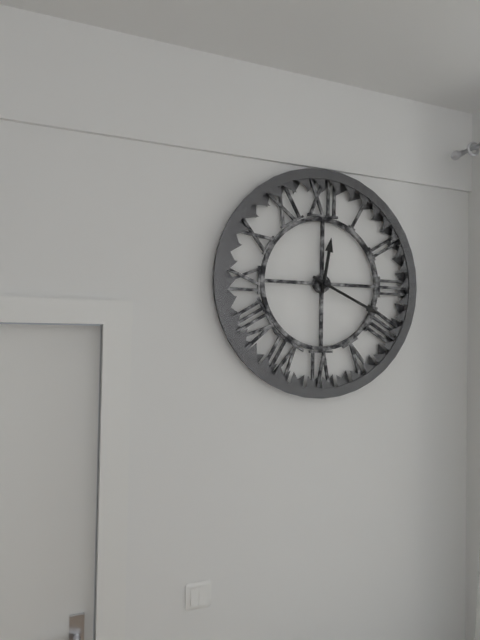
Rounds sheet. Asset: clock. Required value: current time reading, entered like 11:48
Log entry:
12:19
